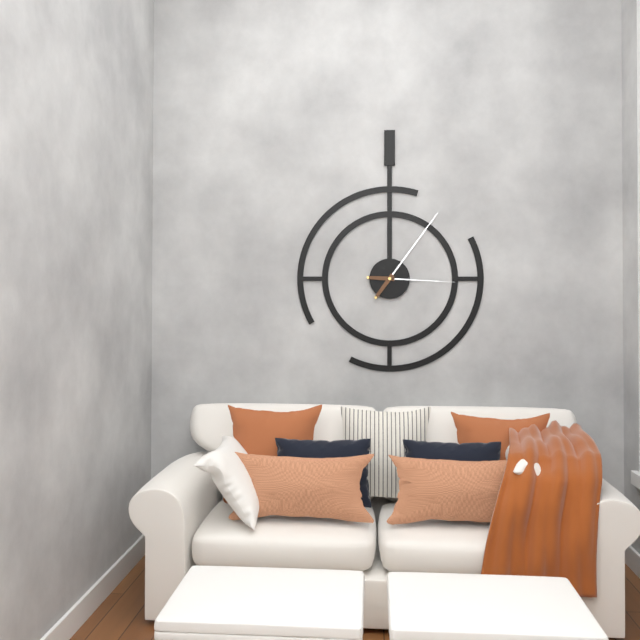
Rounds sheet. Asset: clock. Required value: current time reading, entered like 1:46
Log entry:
3:06
